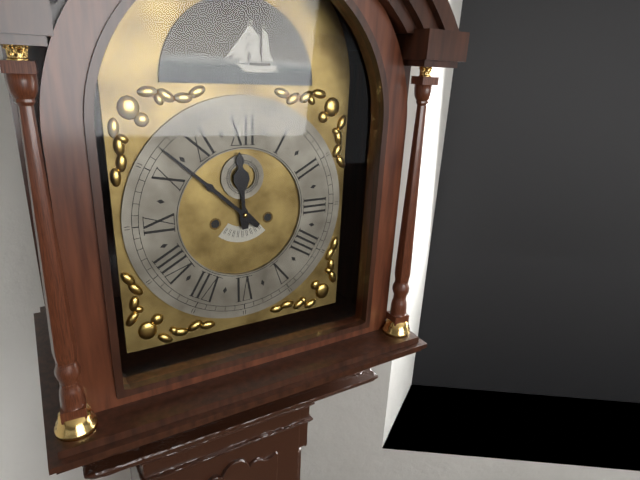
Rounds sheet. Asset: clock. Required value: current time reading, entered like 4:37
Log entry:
11:52
